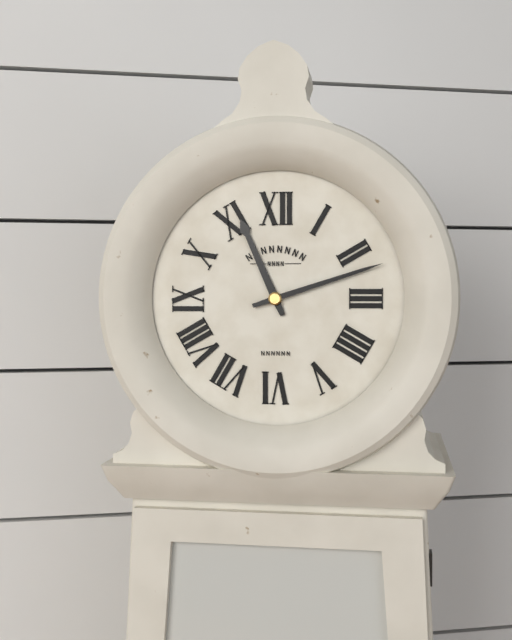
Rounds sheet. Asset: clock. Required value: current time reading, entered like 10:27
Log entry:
11:12
